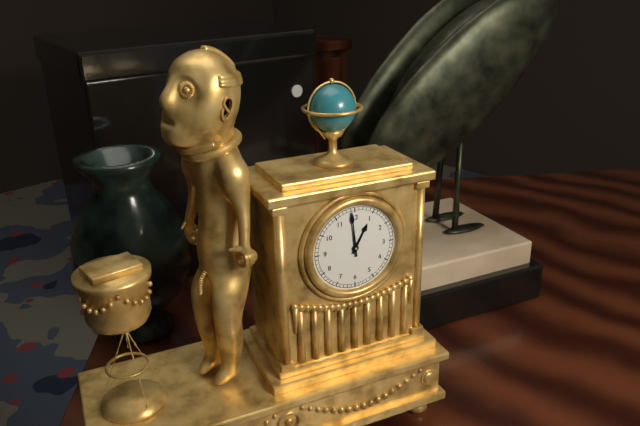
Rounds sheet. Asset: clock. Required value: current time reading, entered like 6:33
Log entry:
12:59
